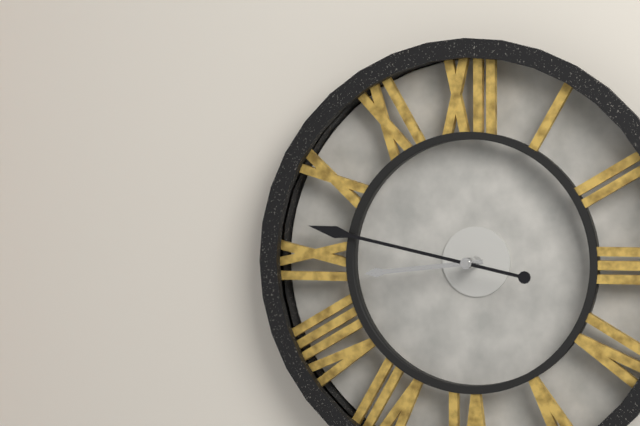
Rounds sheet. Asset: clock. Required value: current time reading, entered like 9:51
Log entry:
8:47
